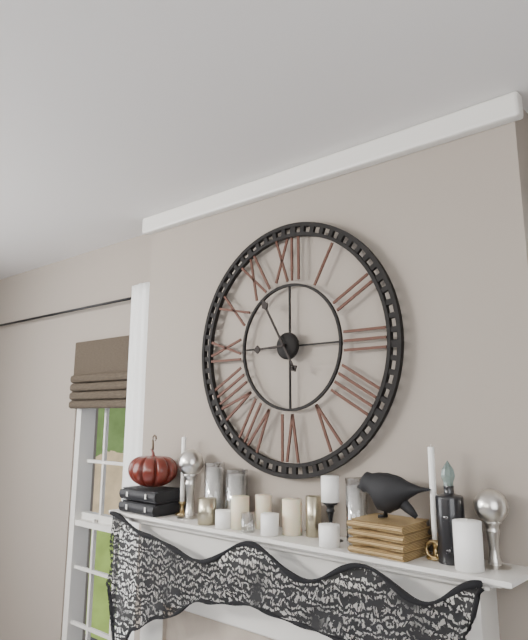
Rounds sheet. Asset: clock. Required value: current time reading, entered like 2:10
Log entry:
8:55
